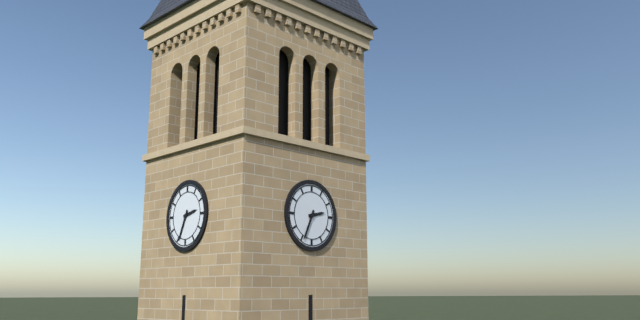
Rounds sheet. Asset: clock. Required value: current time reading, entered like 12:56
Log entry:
2:34
